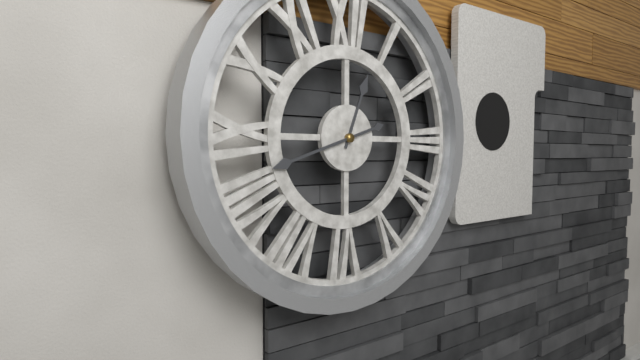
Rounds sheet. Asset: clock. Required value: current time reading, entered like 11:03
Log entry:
12:42
